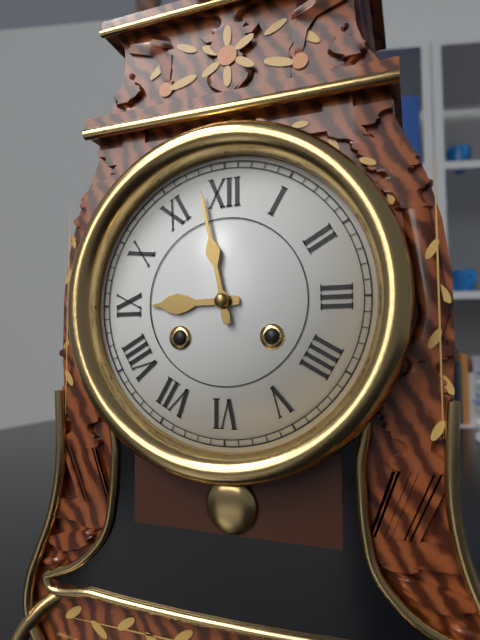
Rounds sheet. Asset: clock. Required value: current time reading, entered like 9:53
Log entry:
8:58
